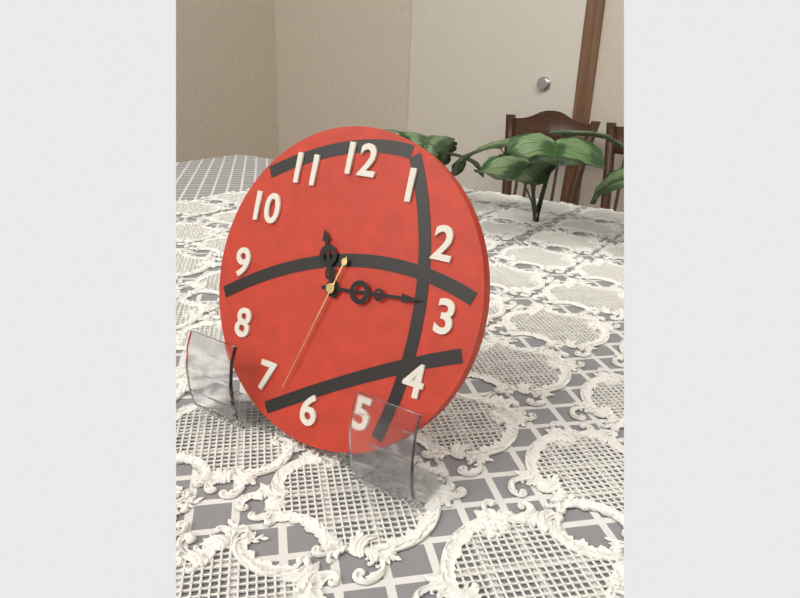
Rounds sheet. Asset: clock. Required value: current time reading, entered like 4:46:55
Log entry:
11:14:33
